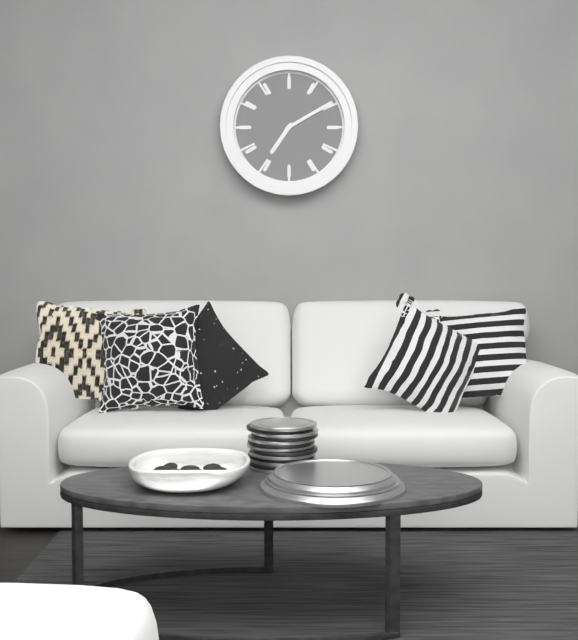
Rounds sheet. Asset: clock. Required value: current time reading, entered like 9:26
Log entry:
7:10
